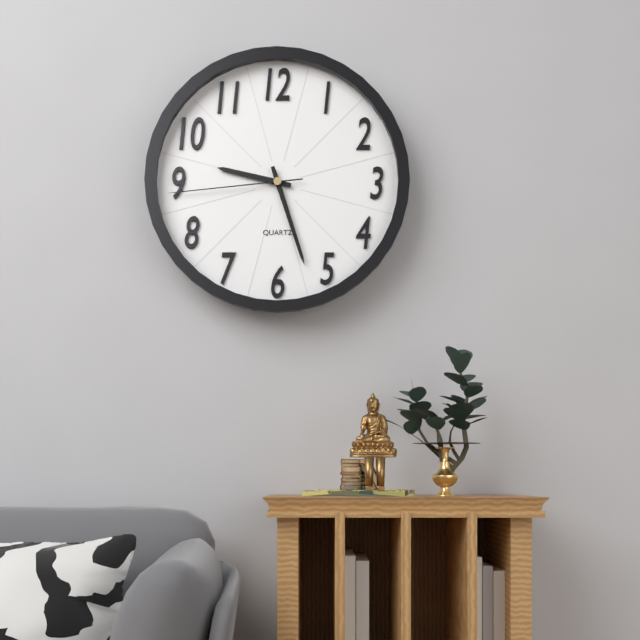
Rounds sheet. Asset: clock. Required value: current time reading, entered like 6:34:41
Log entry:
9:27:44
